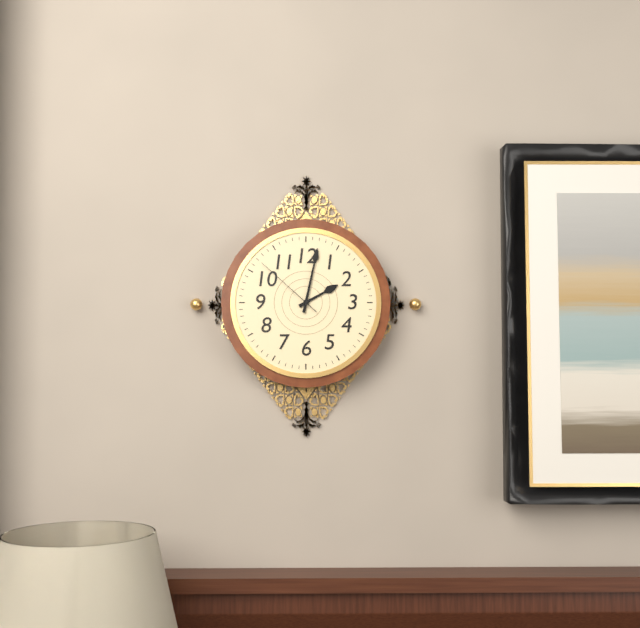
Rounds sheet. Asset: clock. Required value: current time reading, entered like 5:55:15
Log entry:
2:02:52
